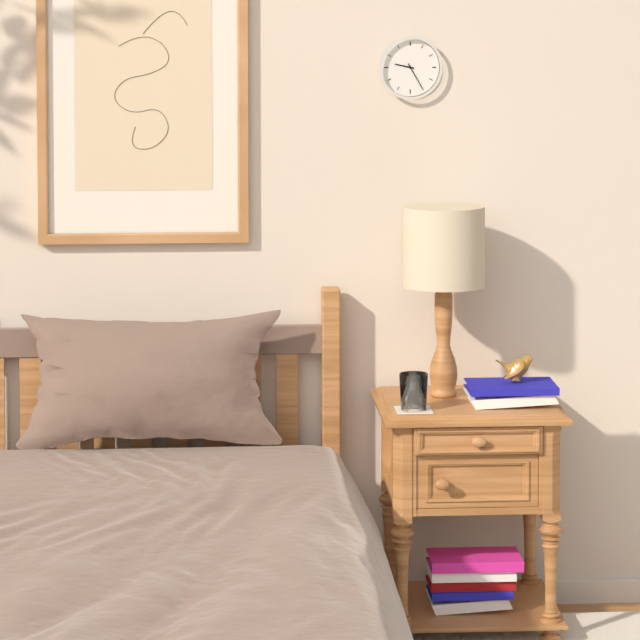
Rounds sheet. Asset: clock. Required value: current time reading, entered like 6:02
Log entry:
9:25
